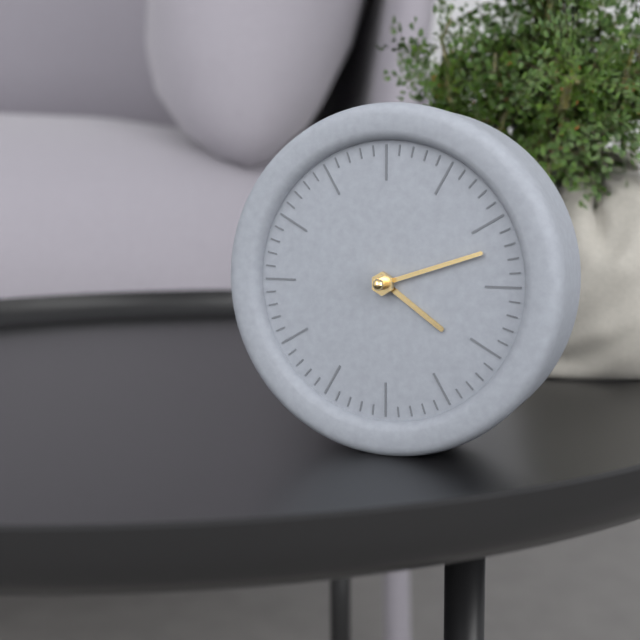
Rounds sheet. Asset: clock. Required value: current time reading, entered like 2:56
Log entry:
4:12
